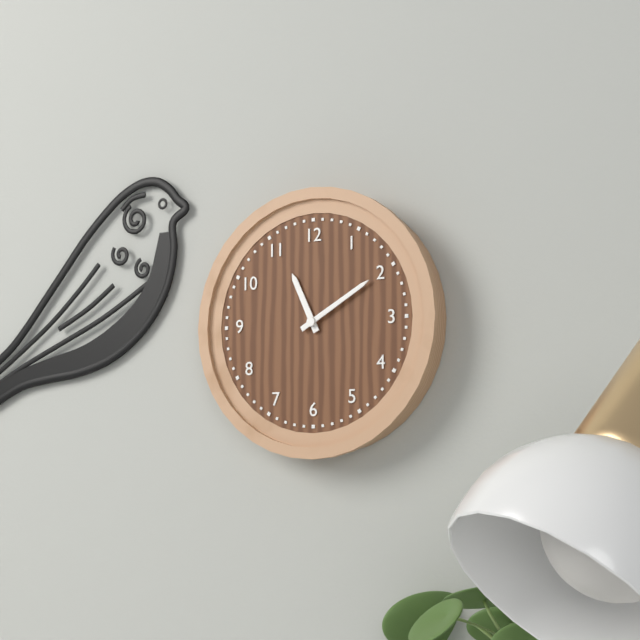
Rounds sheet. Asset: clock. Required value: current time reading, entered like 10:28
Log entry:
11:10
